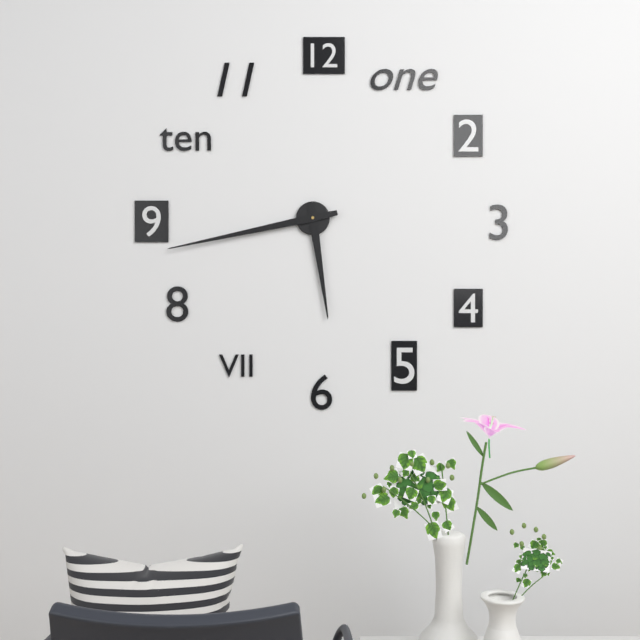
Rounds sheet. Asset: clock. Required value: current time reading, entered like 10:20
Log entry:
5:43
